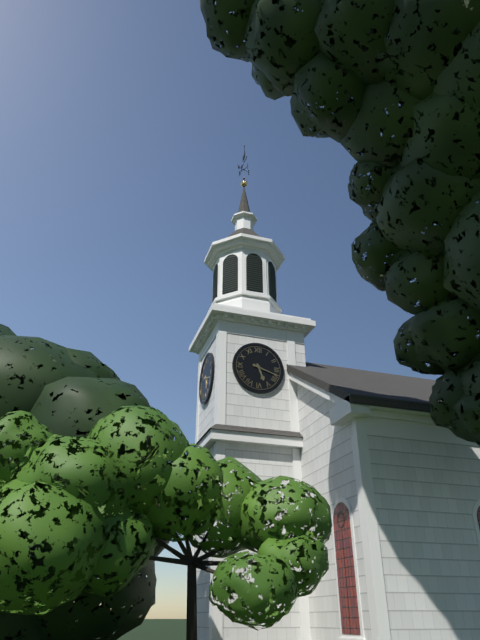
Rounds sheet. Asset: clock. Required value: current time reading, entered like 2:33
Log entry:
5:18
